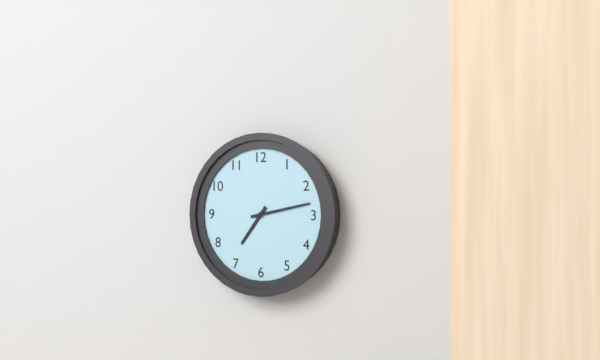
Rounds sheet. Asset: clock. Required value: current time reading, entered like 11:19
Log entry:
7:13
